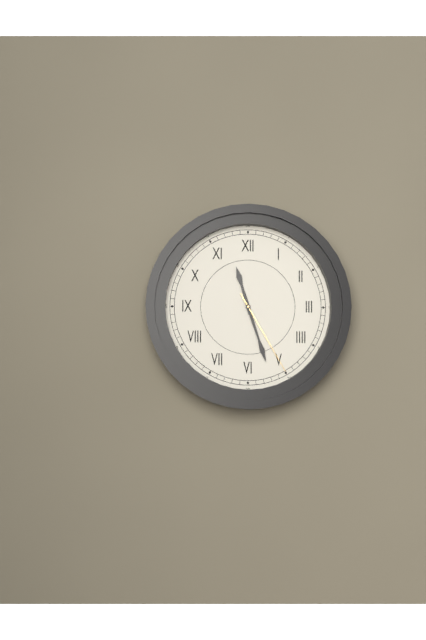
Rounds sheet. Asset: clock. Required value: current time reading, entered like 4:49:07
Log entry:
11:27:25
